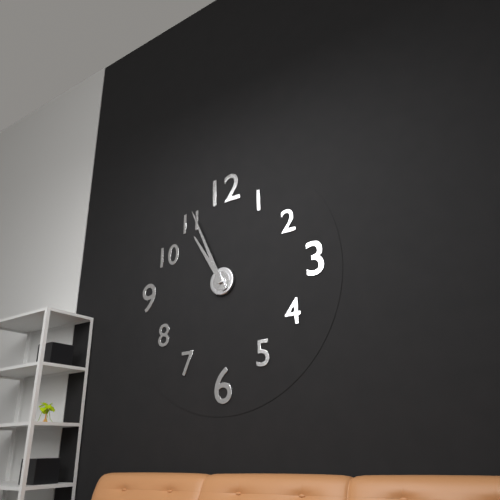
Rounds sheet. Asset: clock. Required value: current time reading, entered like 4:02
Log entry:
10:56
